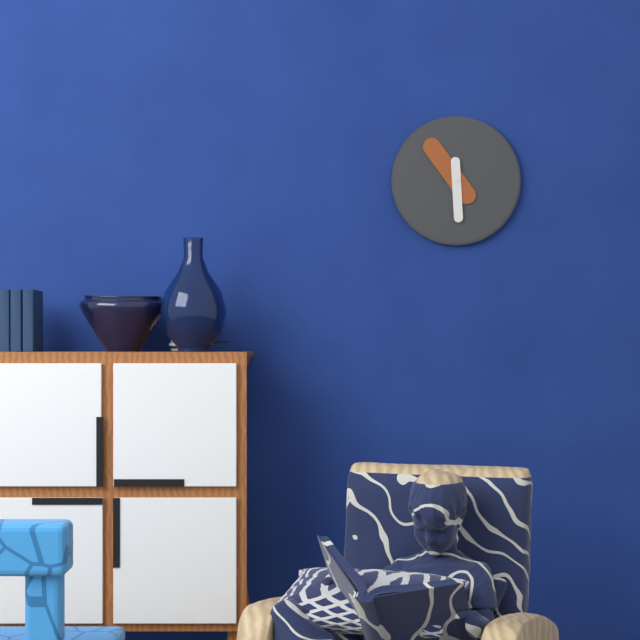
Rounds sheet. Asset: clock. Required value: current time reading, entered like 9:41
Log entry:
5:54
